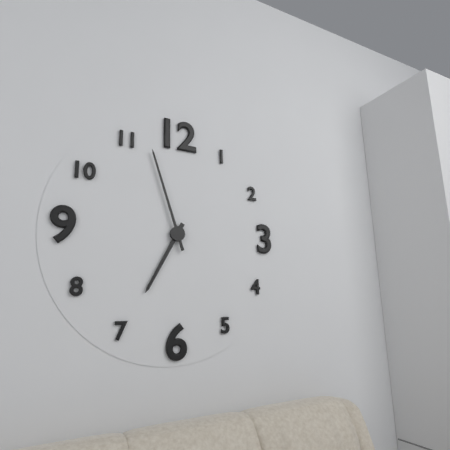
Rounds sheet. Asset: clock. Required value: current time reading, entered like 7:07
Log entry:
6:57
